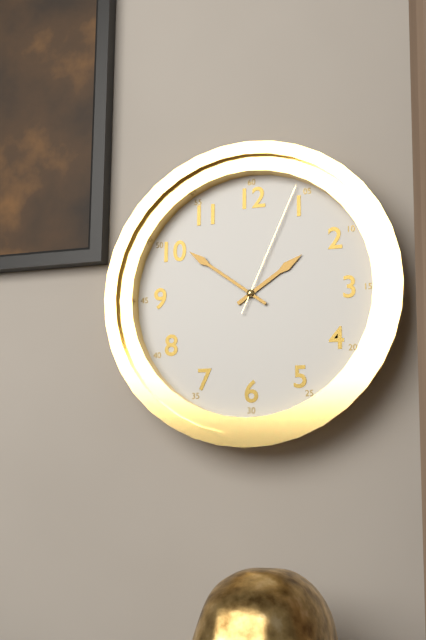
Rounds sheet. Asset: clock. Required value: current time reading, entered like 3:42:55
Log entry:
1:51:04
